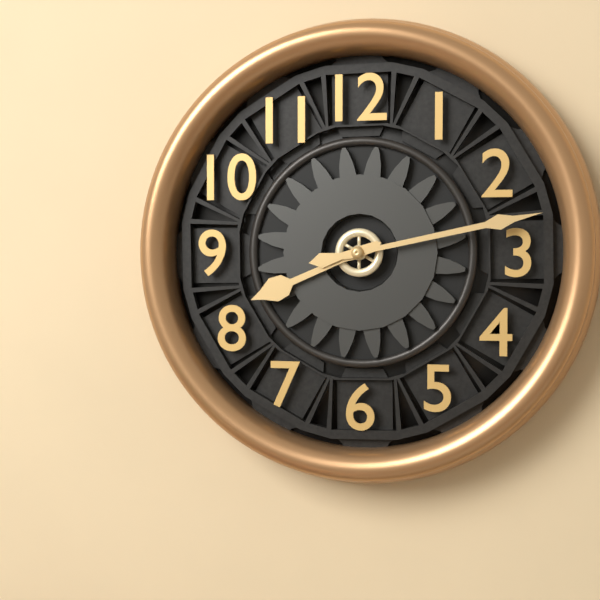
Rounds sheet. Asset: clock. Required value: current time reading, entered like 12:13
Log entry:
8:13
